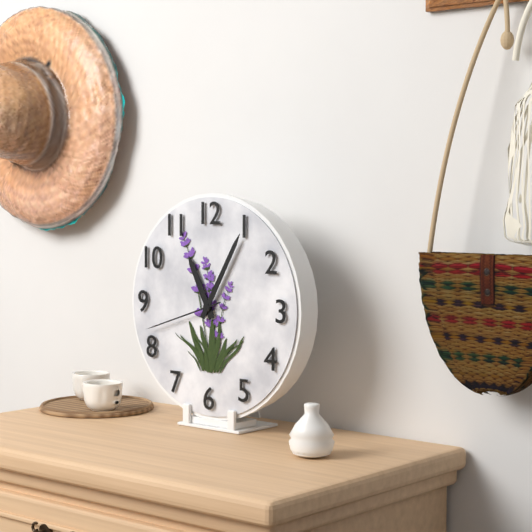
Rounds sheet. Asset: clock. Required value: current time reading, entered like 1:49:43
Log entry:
11:05:42
